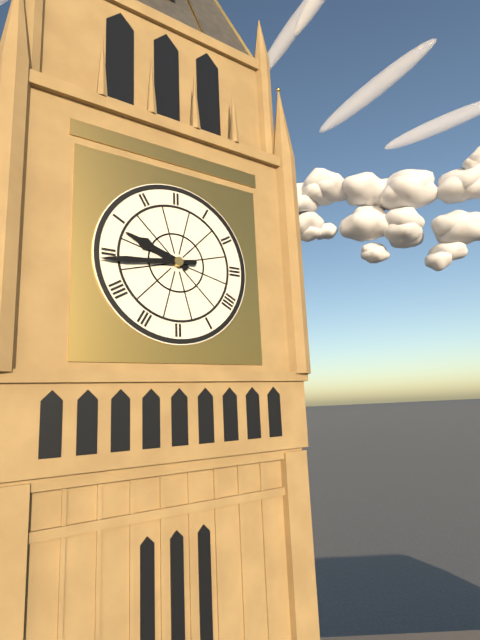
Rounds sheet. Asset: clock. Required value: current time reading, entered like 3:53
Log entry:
9:44
